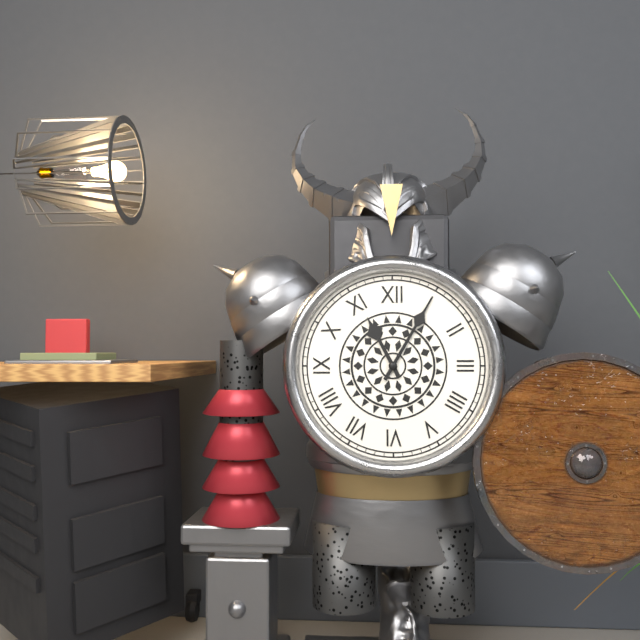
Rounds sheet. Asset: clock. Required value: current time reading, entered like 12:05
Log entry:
11:05
